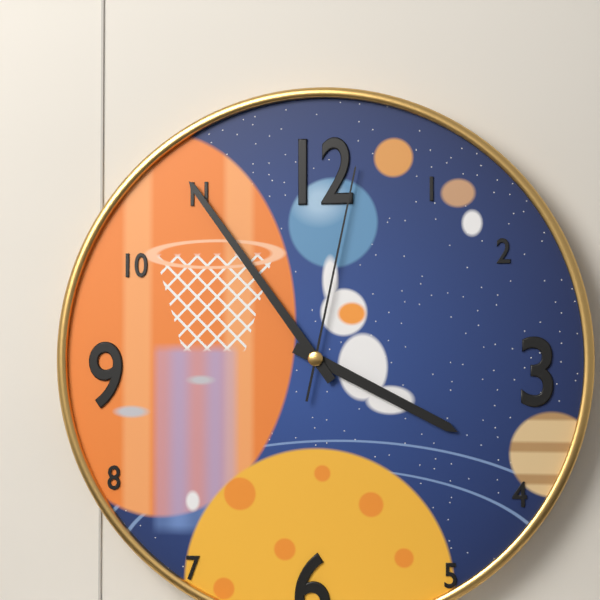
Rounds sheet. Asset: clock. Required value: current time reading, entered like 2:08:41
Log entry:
3:54:02
